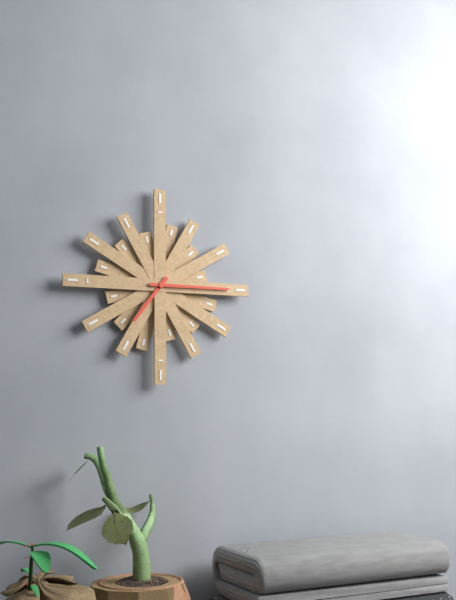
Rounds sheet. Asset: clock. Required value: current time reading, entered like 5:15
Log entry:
7:15
